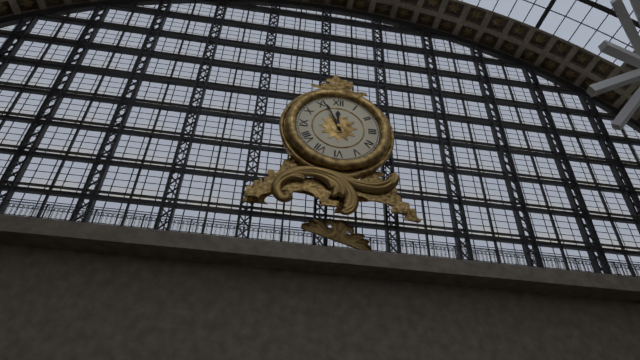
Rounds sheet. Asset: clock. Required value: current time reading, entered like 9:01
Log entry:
11:56
